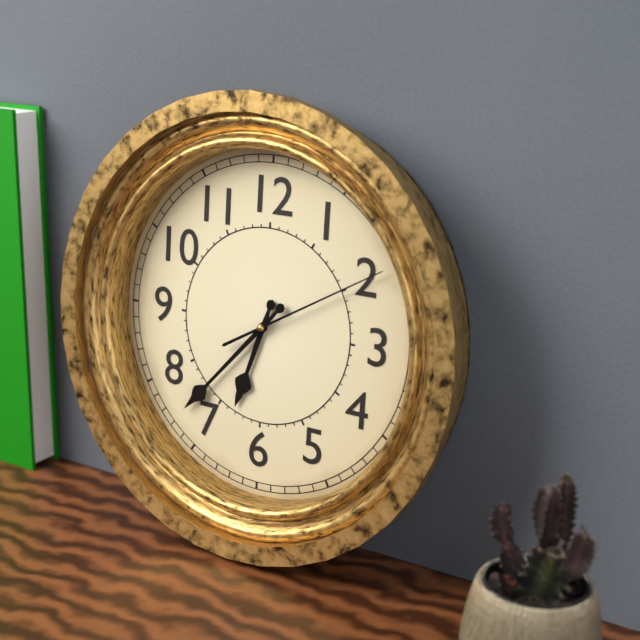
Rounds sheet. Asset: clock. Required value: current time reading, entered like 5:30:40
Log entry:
6:37:10
